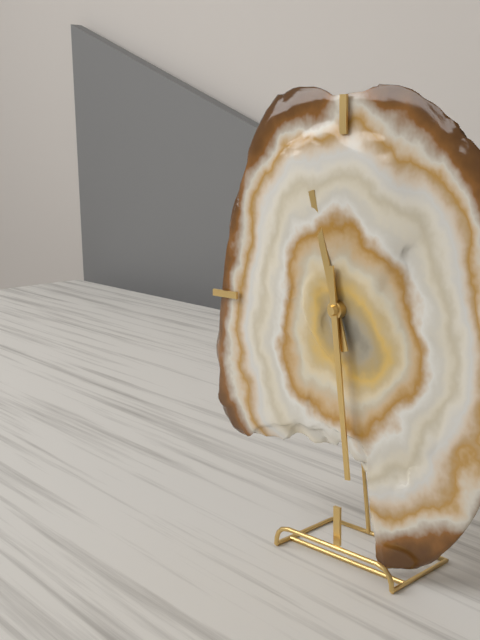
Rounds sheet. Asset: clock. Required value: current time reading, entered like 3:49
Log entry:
11:29
